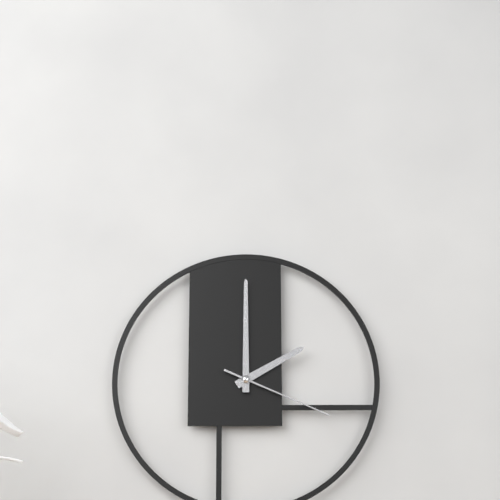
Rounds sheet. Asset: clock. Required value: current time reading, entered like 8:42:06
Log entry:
2:00:19
